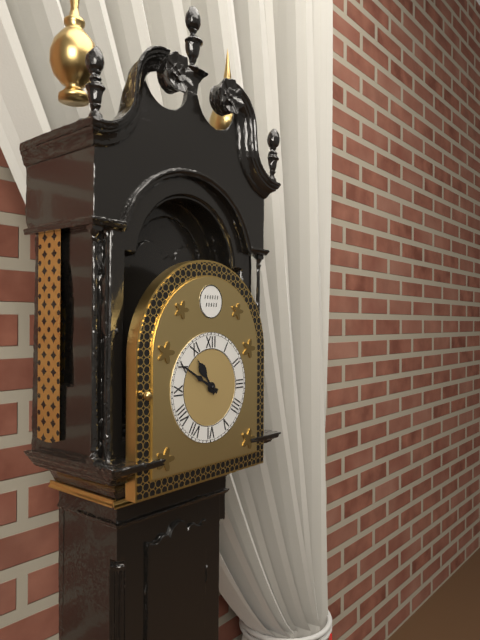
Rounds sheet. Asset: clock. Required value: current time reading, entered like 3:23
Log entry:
10:50
